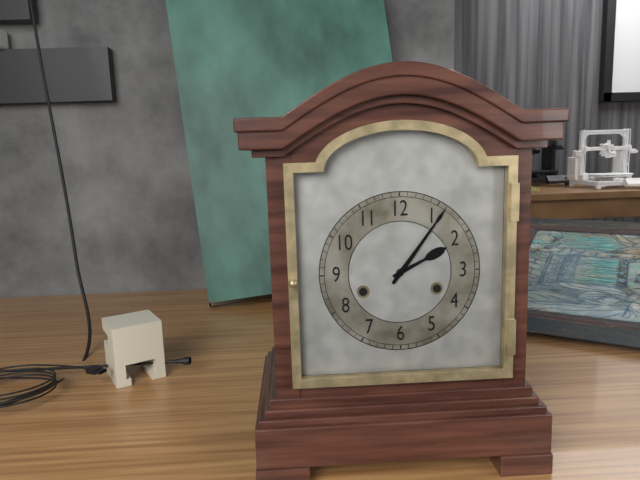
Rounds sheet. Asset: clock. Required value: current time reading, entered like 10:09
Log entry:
2:06
